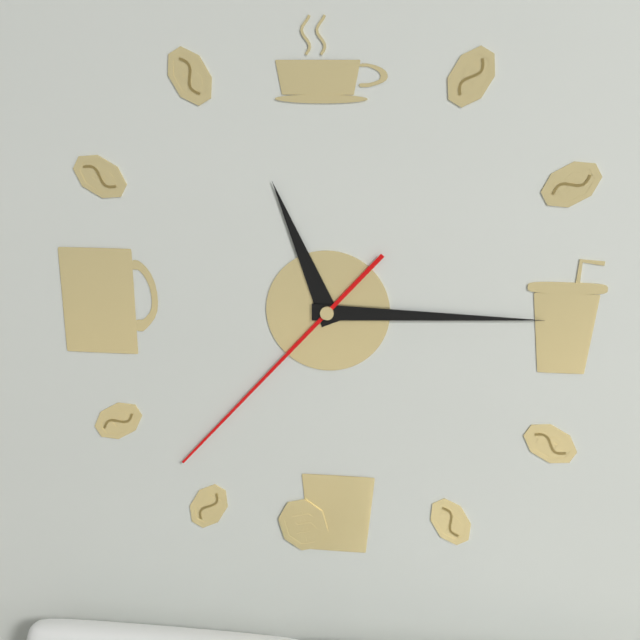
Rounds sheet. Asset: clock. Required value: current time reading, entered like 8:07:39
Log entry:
11:15:37
